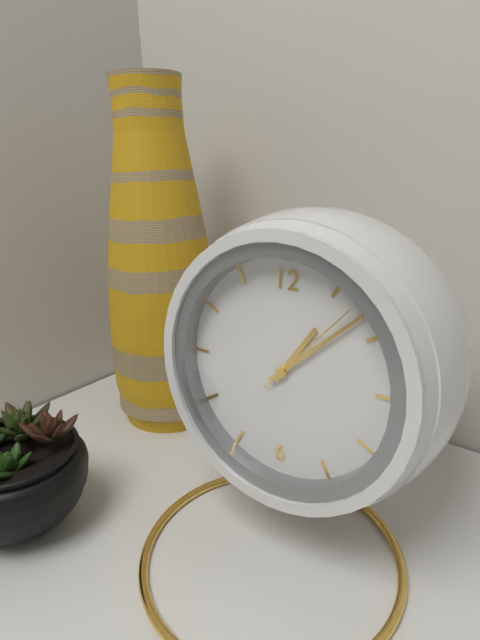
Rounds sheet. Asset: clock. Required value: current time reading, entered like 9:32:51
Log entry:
1:08:07
